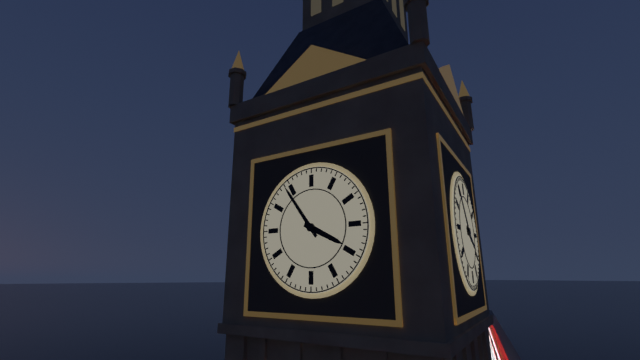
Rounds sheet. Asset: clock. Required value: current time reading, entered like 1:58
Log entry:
3:54
